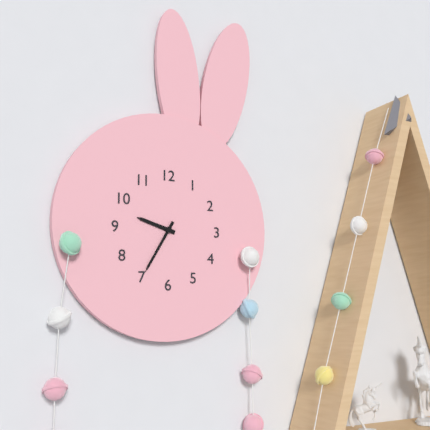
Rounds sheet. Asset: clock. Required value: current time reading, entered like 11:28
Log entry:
9:35
